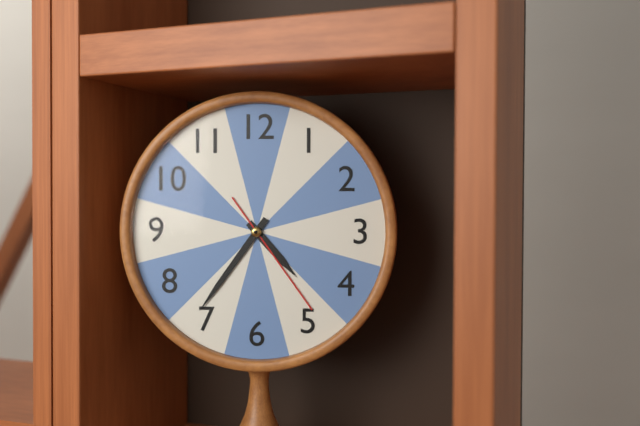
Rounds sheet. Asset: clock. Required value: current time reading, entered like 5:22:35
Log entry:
4:36:24
